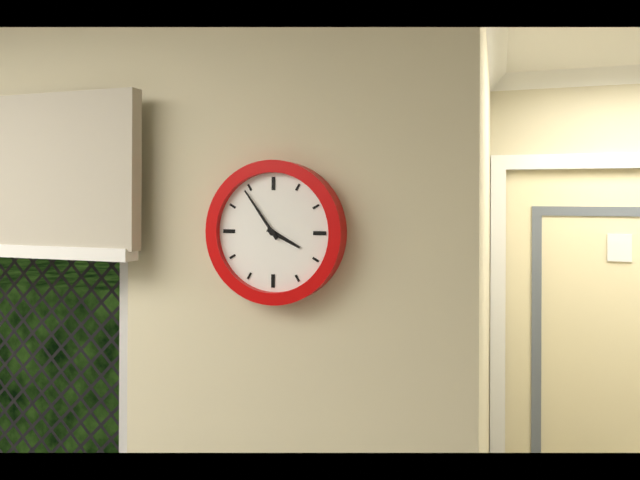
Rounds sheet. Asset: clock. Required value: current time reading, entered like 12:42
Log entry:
3:54
